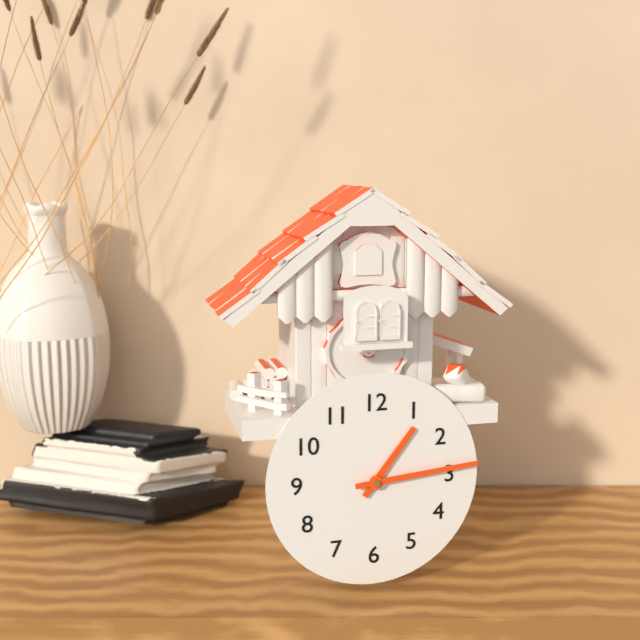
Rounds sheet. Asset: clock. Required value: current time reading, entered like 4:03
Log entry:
1:14
